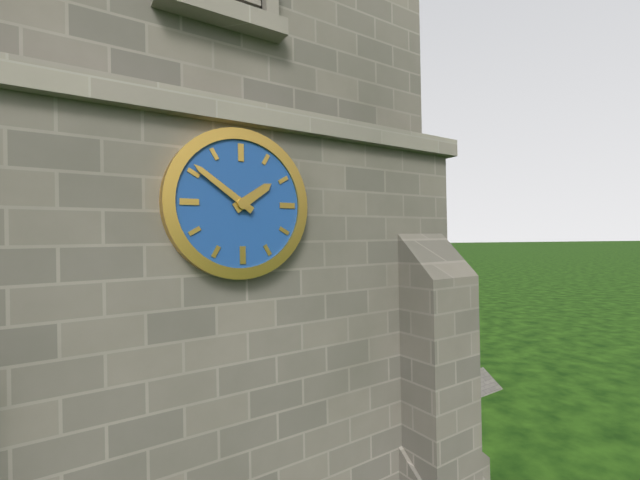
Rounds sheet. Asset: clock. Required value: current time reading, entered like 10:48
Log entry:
1:51
